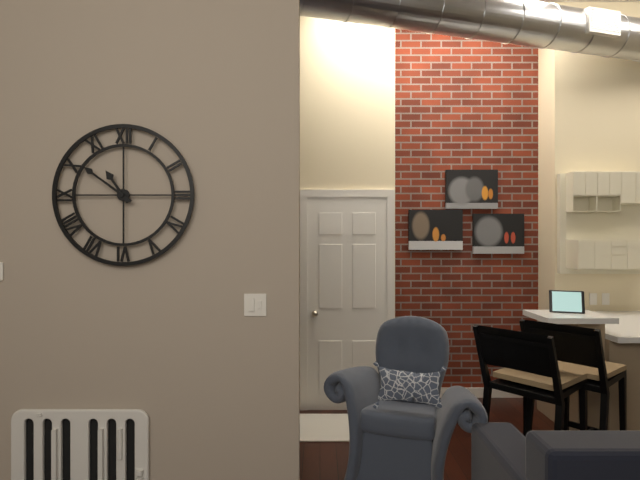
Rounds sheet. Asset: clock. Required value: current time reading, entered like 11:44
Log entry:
10:51
